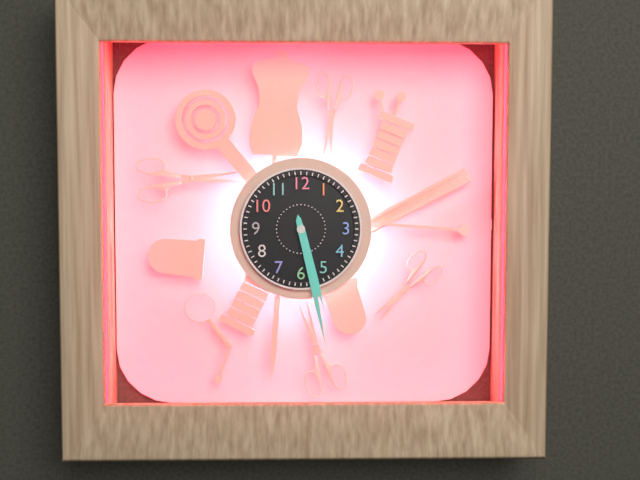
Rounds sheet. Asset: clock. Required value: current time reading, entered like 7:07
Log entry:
5:28
